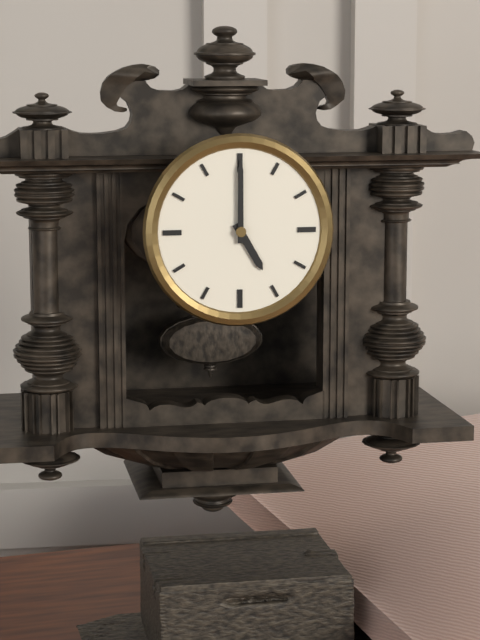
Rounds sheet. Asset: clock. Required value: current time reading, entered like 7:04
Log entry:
5:00
